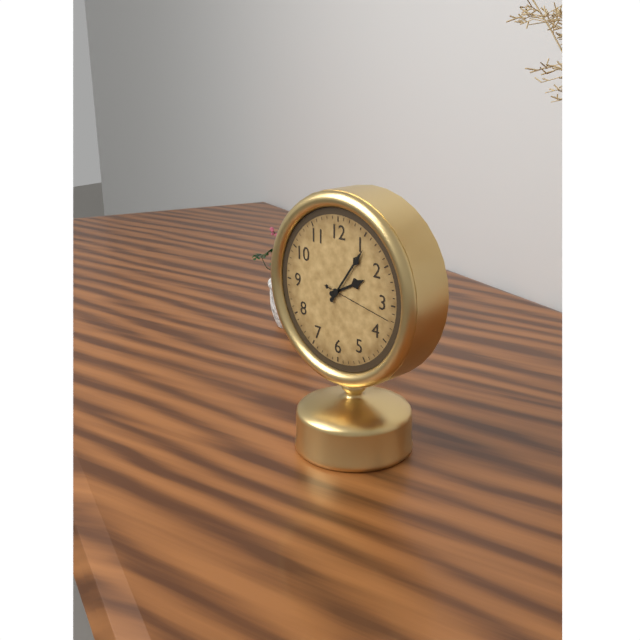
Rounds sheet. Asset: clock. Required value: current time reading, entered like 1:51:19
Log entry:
2:06:17
